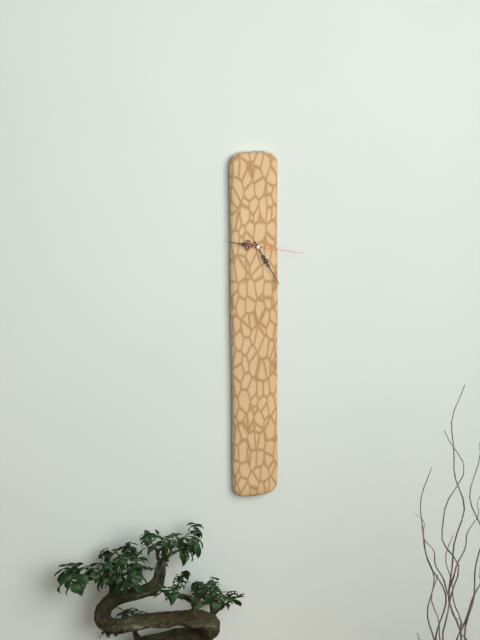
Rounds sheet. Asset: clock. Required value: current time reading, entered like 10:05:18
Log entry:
9:25:17
